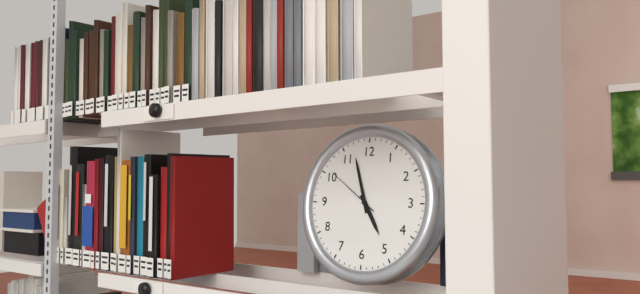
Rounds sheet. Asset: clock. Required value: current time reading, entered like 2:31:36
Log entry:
4:57:51
